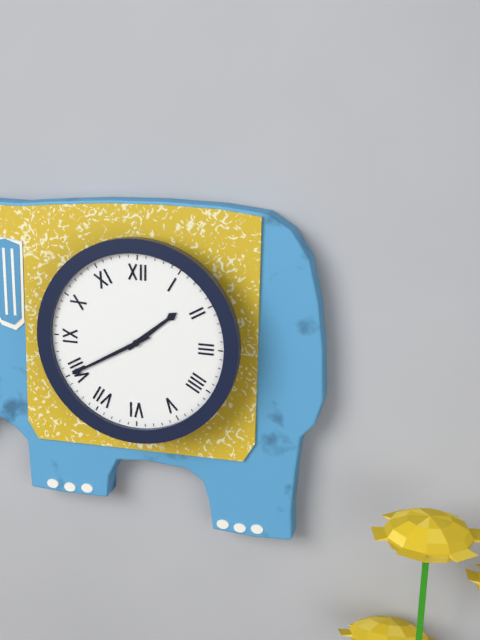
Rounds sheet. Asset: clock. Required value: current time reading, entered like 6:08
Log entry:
1:40
